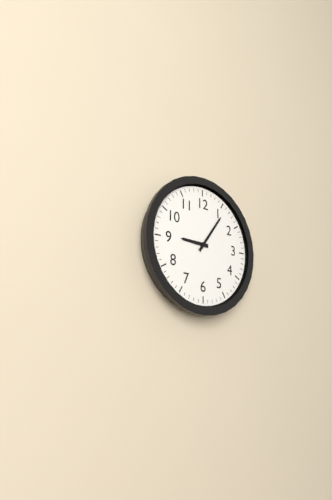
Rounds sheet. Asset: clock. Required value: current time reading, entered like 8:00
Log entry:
9:06
